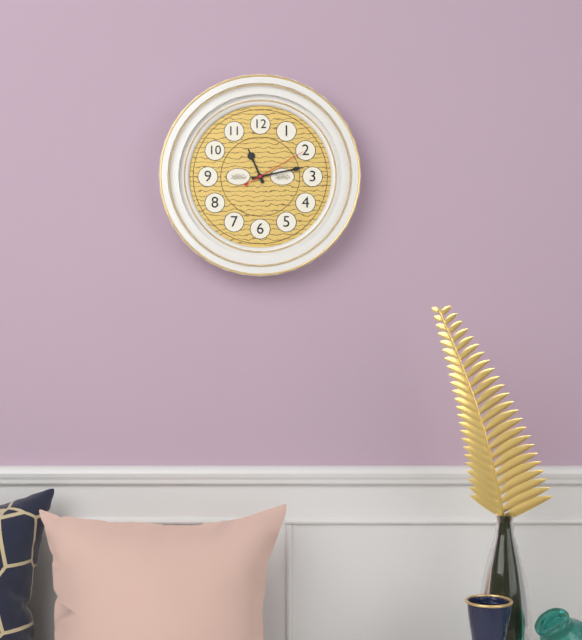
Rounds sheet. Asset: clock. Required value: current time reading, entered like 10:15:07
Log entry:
11:13:10
